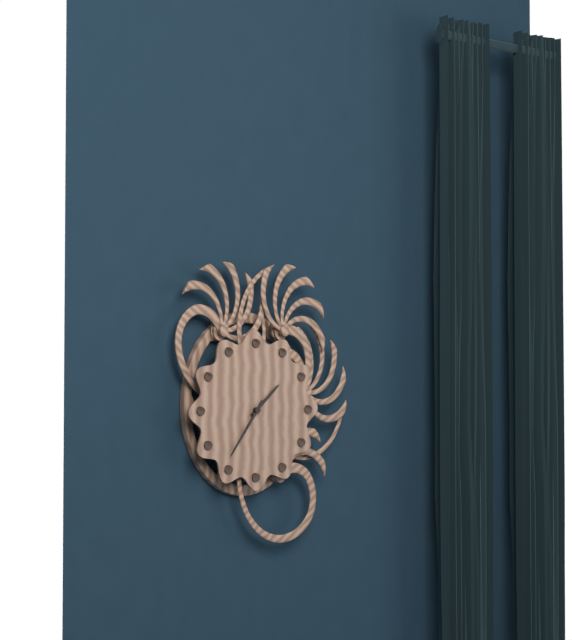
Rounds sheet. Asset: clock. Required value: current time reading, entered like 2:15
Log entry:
1:36
